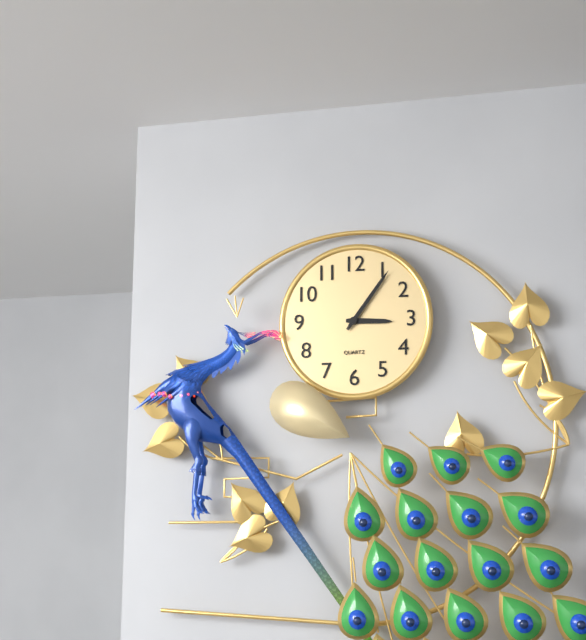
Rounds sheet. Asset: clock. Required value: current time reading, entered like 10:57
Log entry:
3:06
